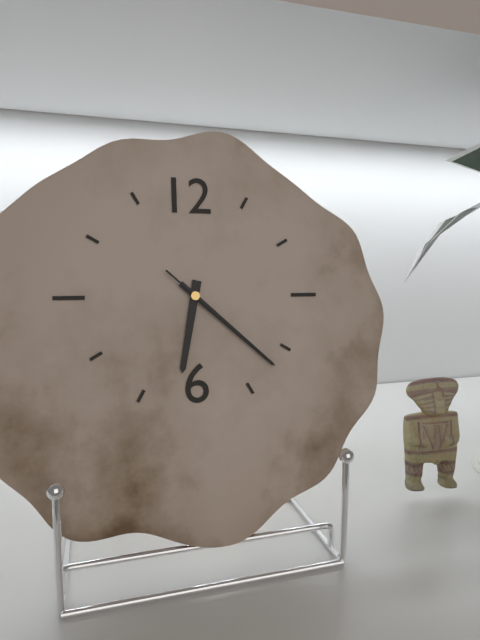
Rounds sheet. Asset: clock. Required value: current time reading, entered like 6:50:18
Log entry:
6:22:22
